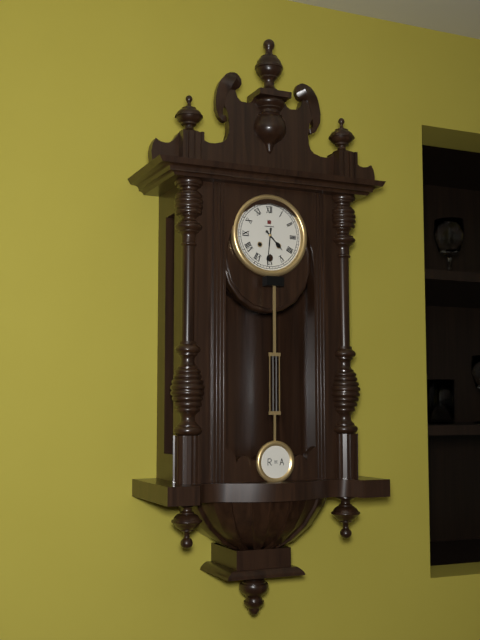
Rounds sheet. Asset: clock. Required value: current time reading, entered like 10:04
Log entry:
4:31
